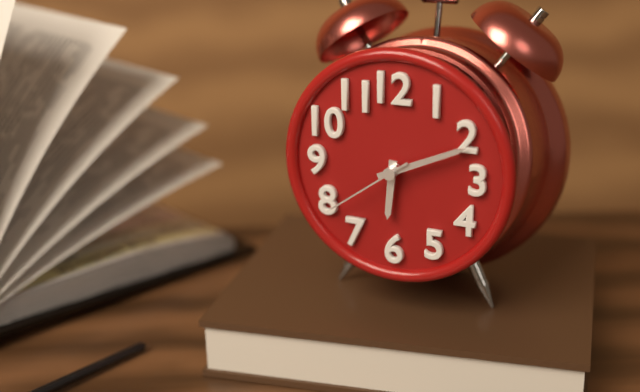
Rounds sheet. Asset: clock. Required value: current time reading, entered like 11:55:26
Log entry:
6:11:39
